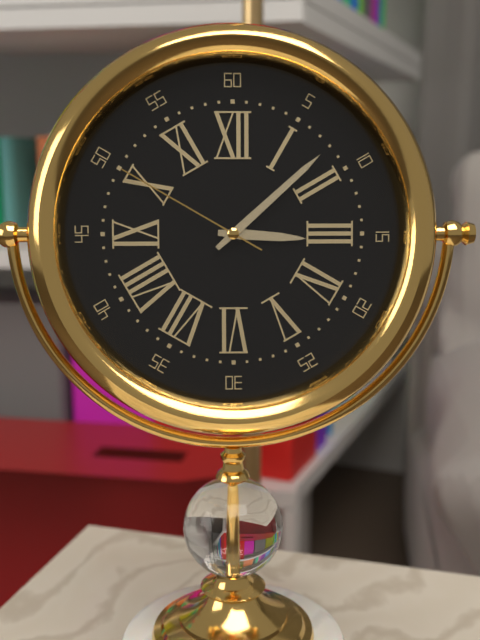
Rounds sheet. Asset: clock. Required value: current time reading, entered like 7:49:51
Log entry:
3:08:50
